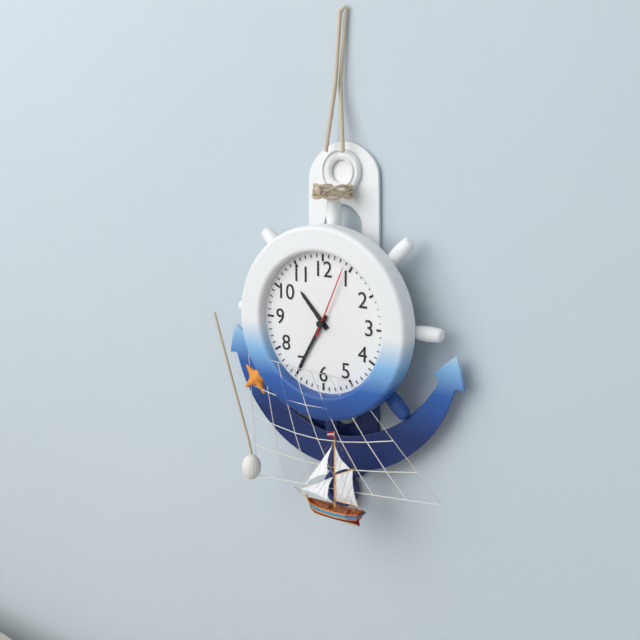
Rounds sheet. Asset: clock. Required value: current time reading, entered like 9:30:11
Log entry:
10:35:04
